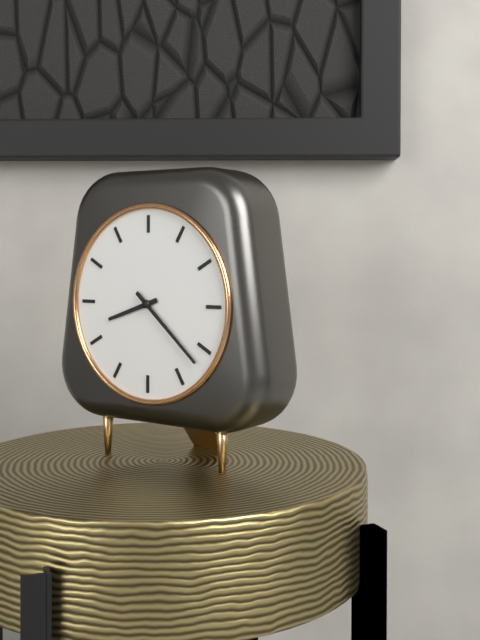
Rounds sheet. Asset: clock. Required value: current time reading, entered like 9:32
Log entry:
8:22
